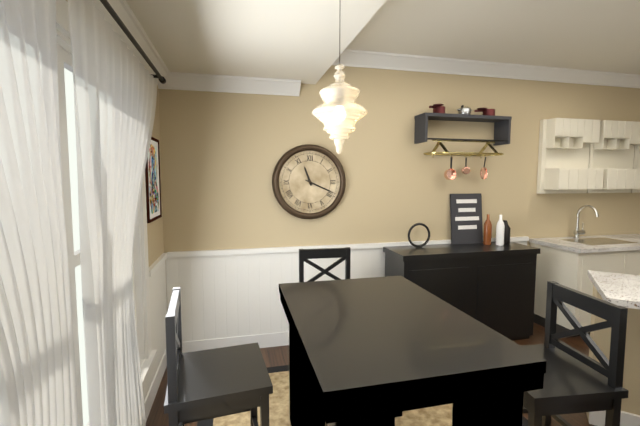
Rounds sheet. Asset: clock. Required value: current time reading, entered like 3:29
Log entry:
11:19
